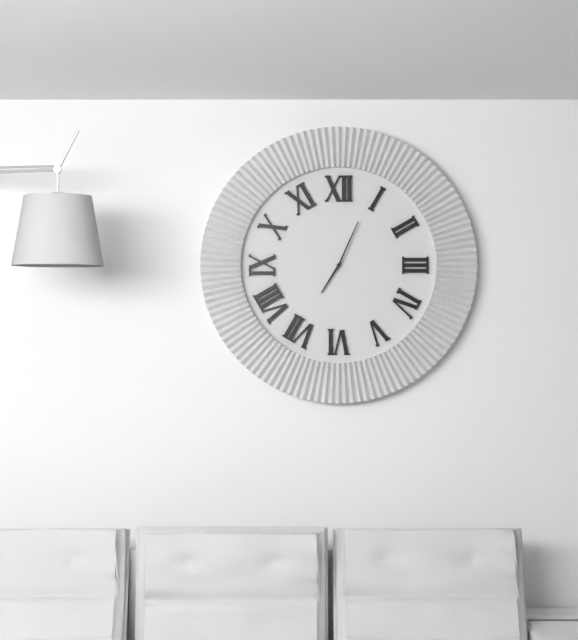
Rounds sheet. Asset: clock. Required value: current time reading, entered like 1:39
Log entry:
7:04
